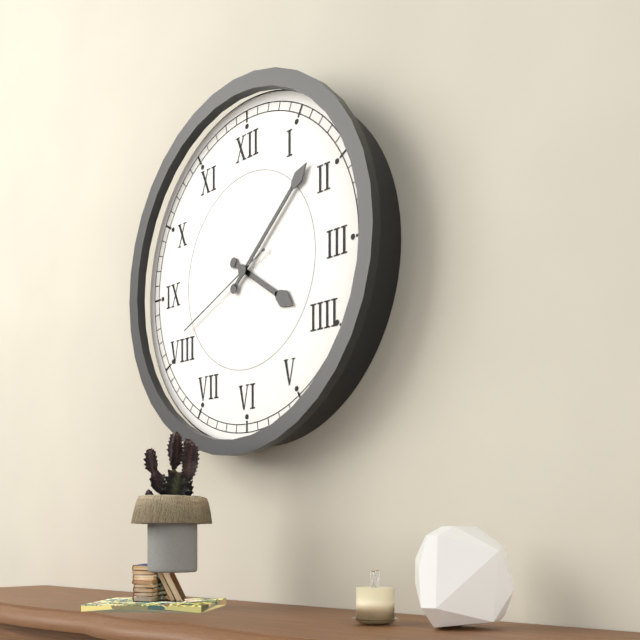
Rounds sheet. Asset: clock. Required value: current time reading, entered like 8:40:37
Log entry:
4:08:41
